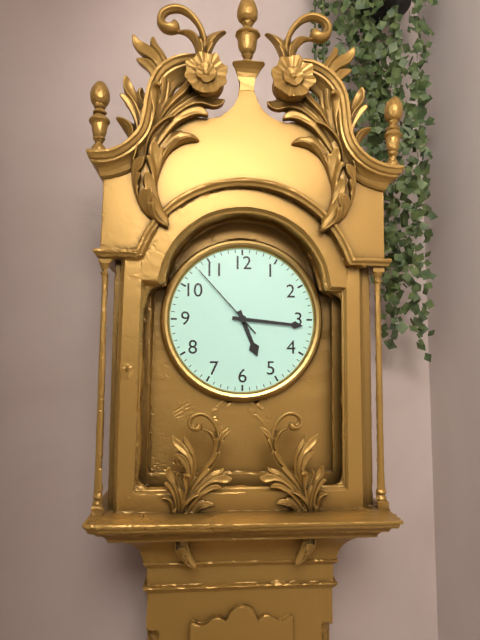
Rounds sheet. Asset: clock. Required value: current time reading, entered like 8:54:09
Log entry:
5:16:53
